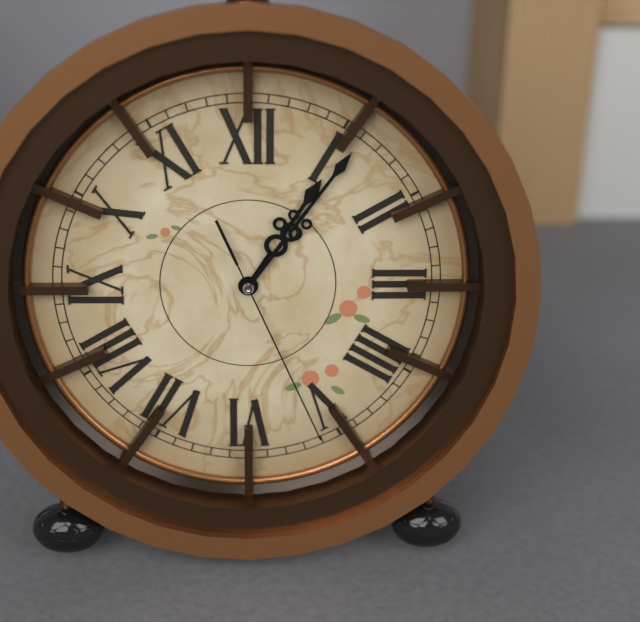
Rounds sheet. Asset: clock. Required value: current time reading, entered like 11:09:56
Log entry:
1:06:26
